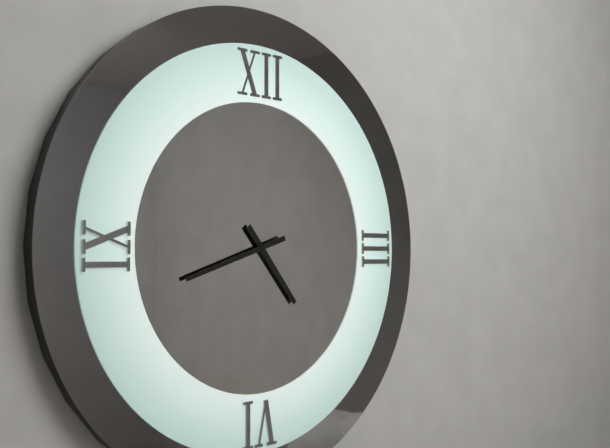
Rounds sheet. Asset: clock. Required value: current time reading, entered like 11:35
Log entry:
4:42
